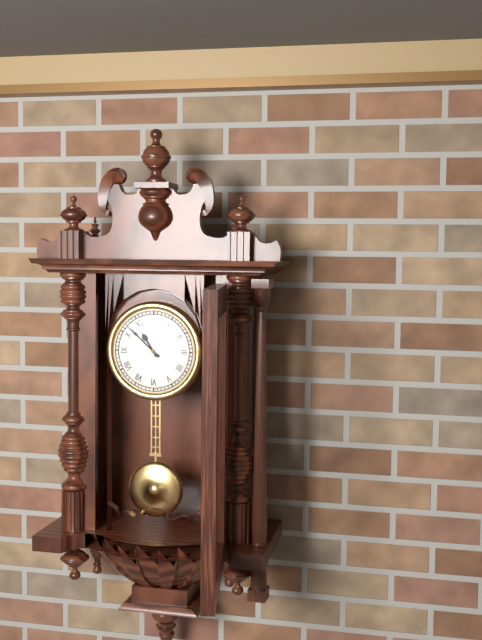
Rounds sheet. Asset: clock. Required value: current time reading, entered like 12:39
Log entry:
10:52
